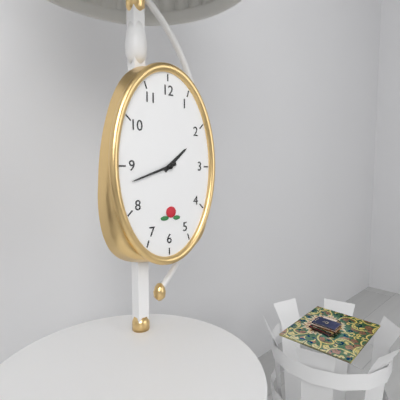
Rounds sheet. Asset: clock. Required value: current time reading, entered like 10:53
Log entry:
1:42
